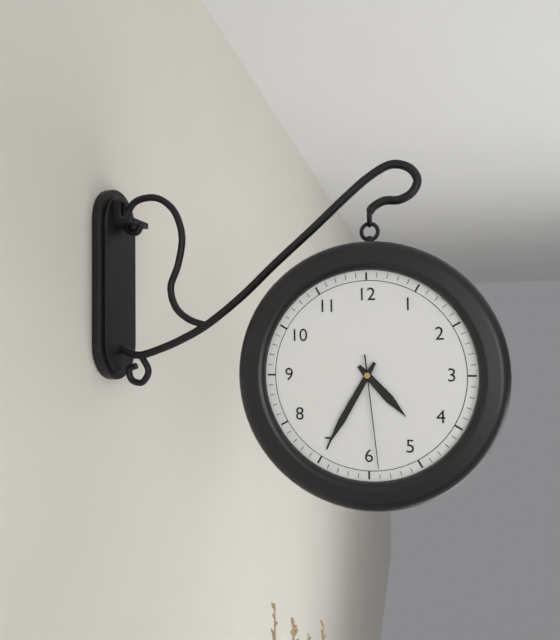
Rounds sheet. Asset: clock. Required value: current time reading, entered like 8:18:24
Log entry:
4:35:29
